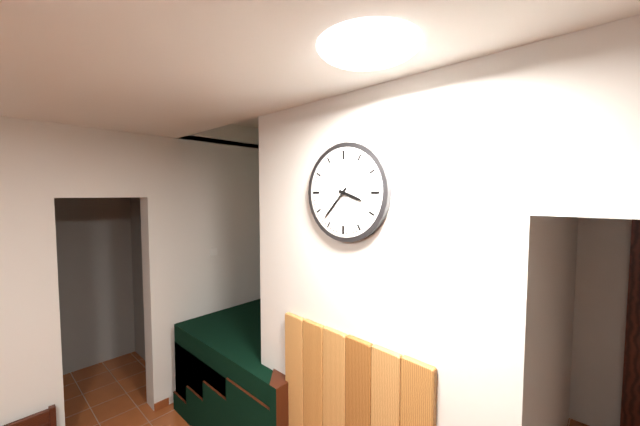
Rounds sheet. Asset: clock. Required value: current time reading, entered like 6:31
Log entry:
3:37
